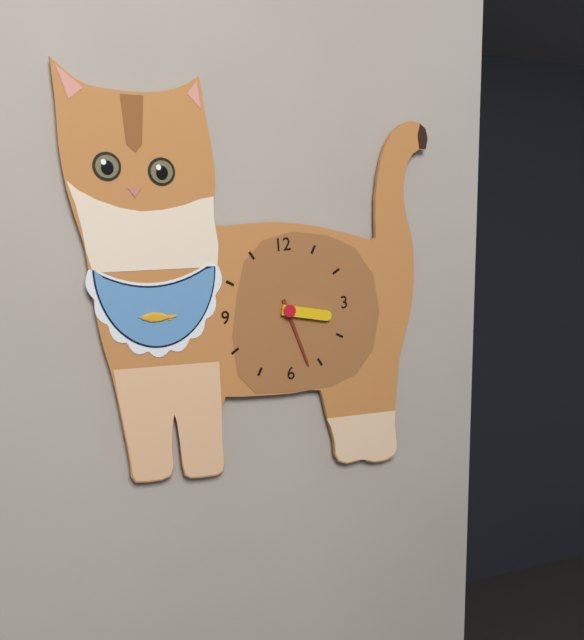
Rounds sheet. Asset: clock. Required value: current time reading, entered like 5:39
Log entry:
3:27
